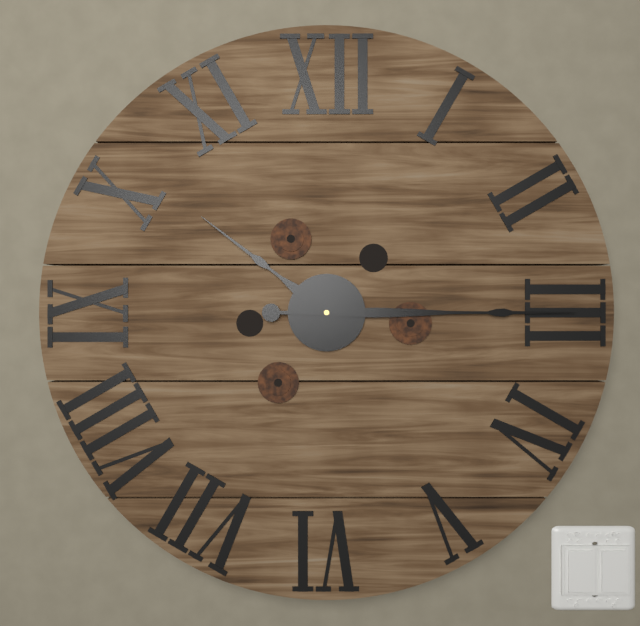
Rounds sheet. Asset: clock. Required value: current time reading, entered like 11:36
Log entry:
10:15
